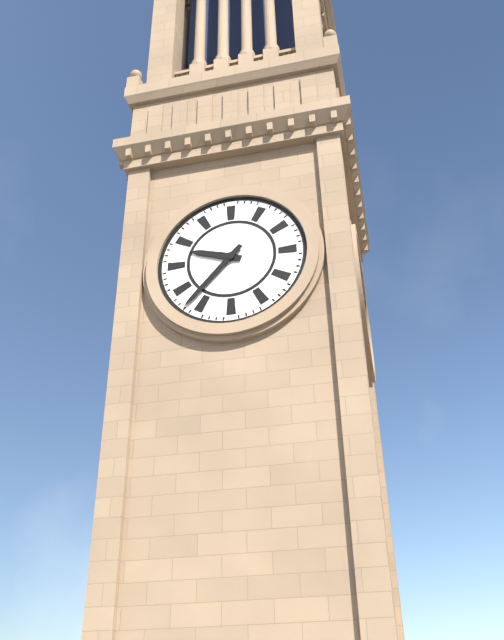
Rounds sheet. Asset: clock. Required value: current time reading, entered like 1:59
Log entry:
9:37
